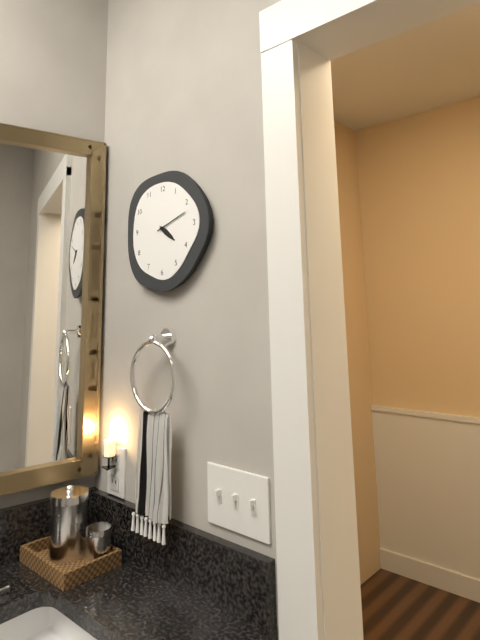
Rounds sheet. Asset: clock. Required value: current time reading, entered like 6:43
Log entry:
4:12
